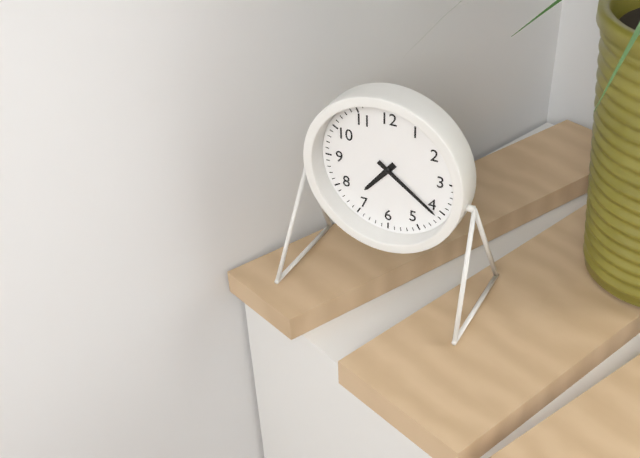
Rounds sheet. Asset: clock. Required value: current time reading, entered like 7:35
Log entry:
7:21
